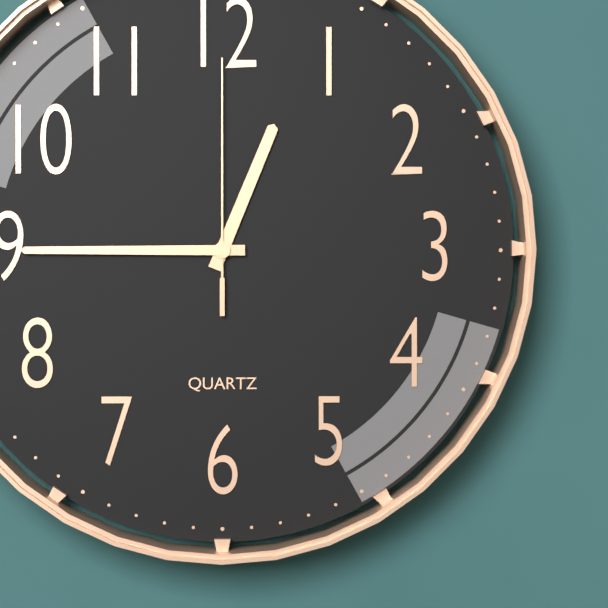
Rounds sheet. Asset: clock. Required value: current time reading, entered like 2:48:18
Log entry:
12:45:00
